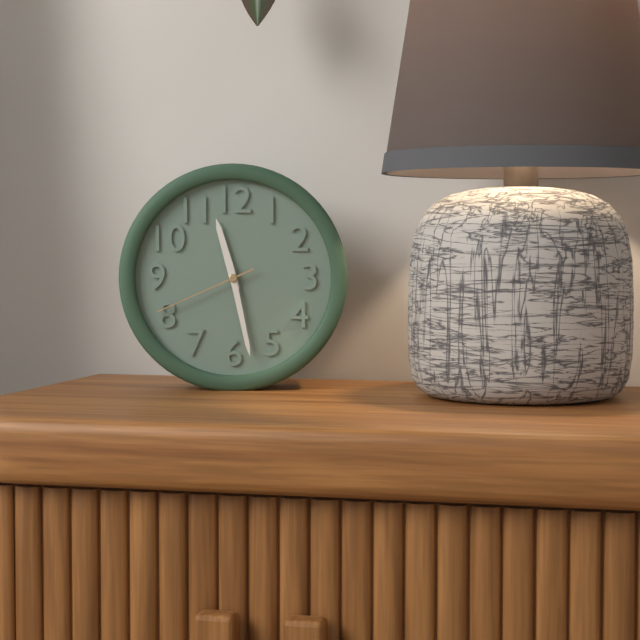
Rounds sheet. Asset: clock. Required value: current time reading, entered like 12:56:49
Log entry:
11:28:41
